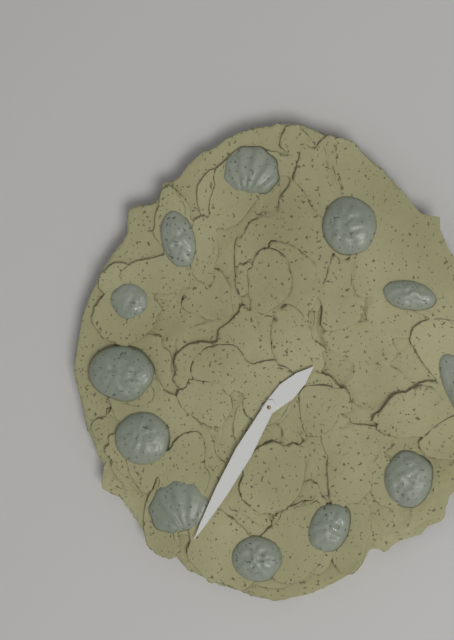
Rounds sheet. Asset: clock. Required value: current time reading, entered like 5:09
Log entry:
1:35
